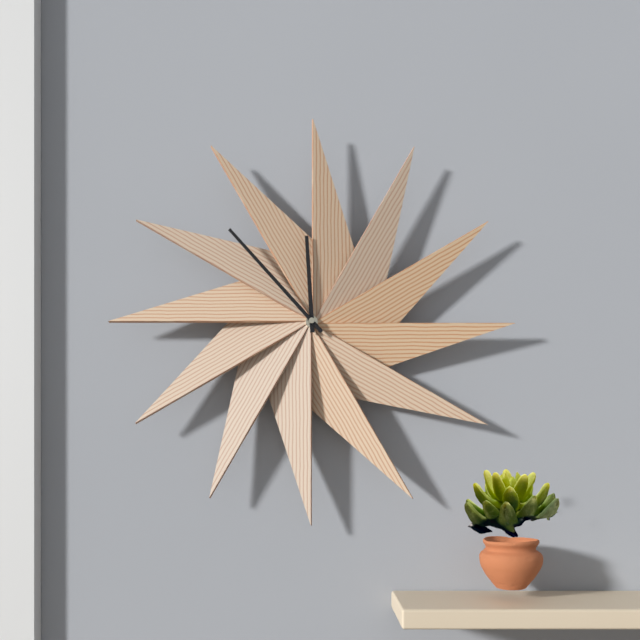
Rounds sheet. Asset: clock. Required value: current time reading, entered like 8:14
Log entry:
11:53
